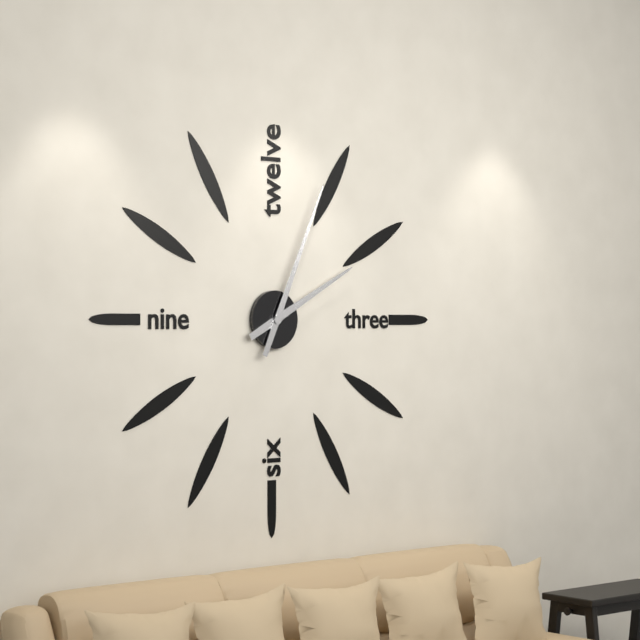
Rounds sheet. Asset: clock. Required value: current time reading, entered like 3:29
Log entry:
2:04
